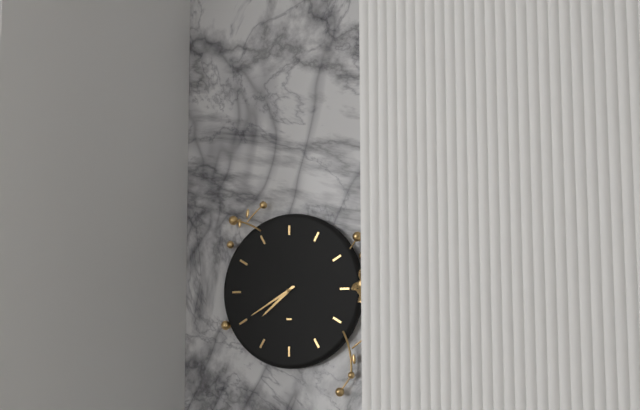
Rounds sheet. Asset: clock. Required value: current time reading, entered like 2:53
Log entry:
7:40
